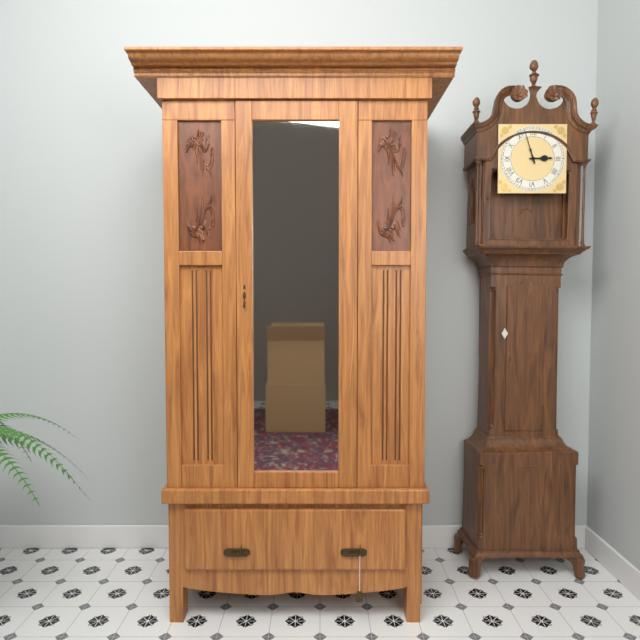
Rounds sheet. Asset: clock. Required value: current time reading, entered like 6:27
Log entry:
2:57
